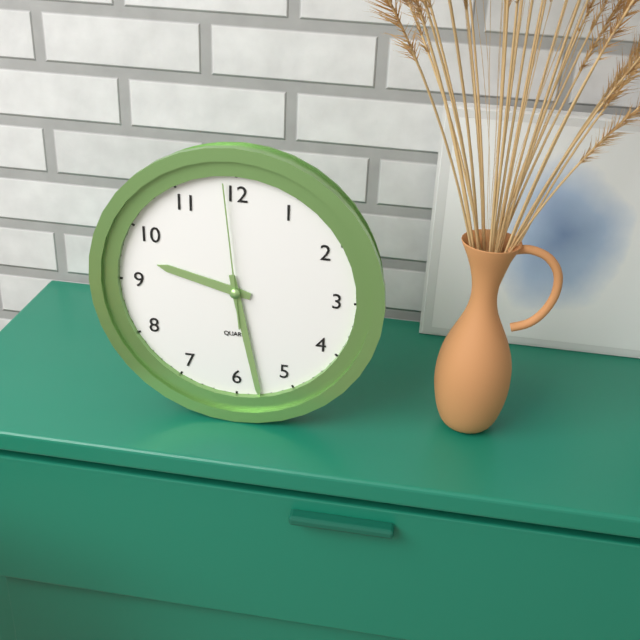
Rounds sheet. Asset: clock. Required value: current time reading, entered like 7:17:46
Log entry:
9:28:59
